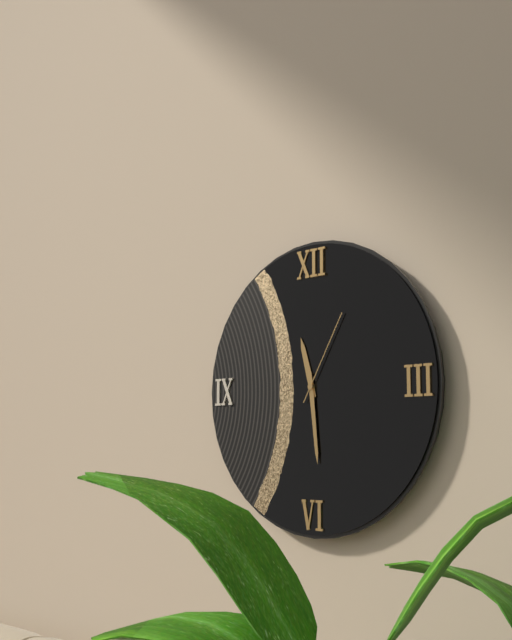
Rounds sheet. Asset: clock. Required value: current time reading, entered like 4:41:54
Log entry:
11:29:05
